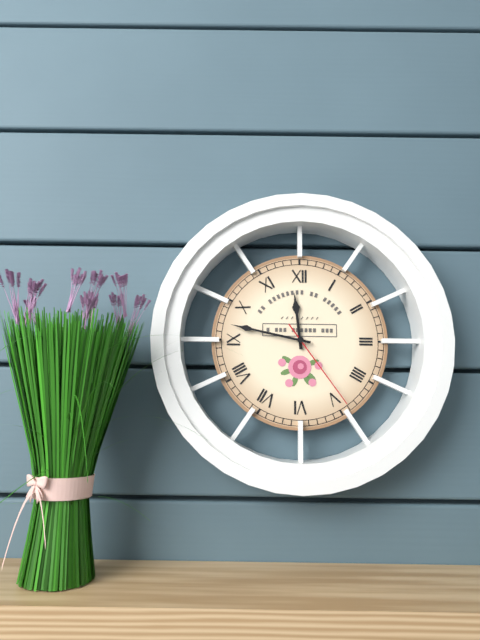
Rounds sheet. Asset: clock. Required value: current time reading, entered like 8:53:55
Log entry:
11:47:24
